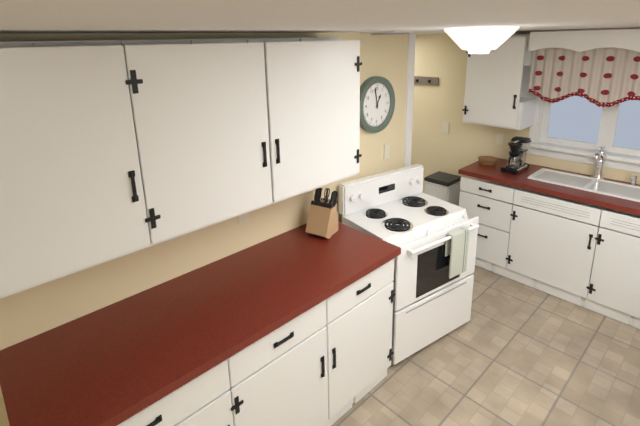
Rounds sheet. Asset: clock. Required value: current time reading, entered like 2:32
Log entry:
12:58
